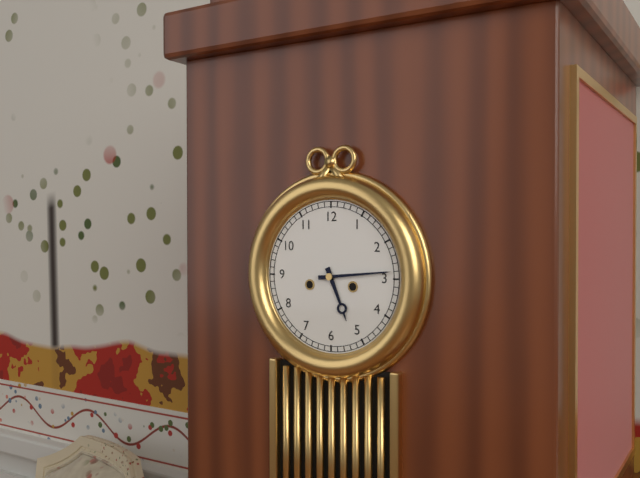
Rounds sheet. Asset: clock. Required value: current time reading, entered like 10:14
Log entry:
5:14
